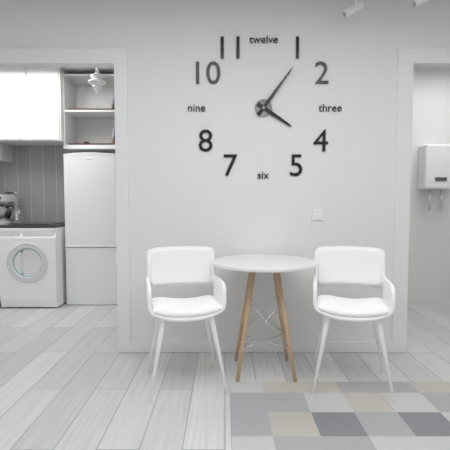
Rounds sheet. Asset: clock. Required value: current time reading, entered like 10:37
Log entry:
4:06
